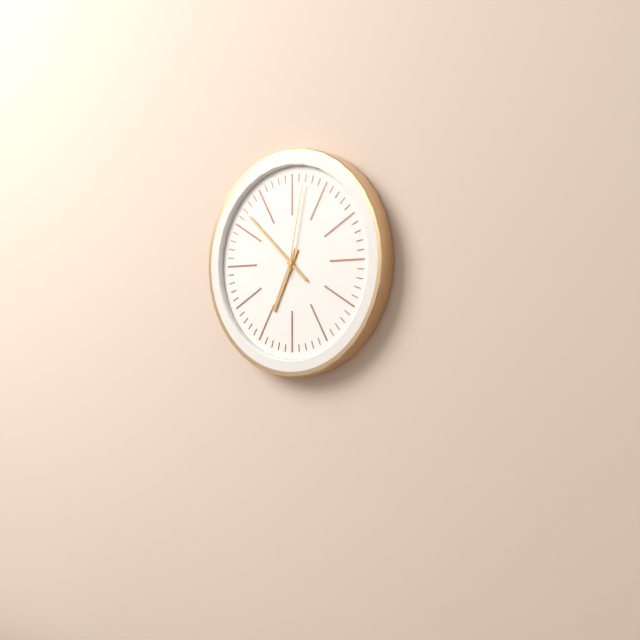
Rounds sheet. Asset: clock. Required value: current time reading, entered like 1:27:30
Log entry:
6:52:02
